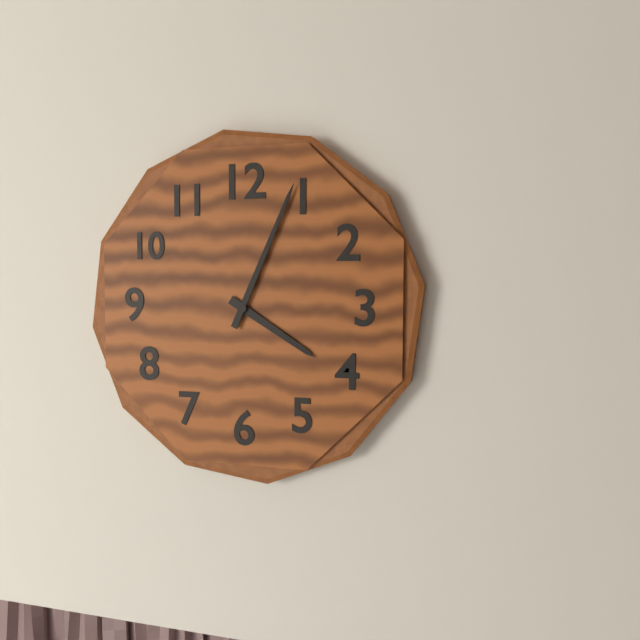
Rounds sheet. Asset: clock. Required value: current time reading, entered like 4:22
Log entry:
4:04
